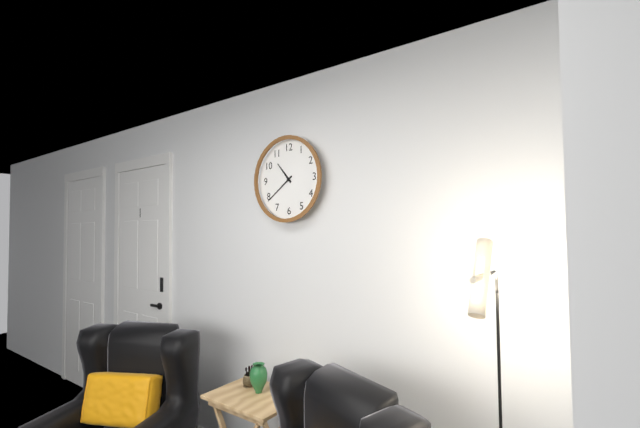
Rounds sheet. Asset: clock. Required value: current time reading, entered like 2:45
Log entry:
10:39
